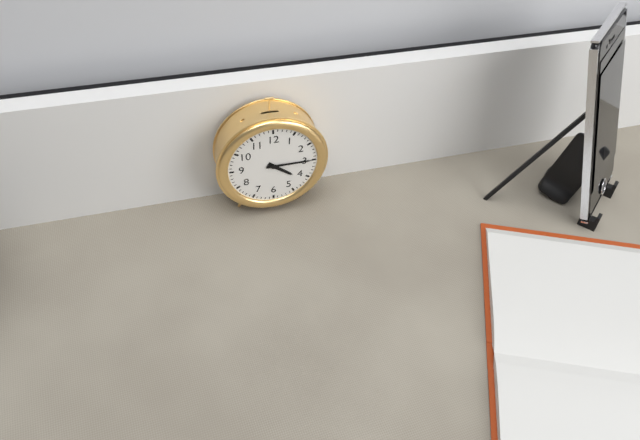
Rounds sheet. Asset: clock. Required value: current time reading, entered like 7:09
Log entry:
4:15
